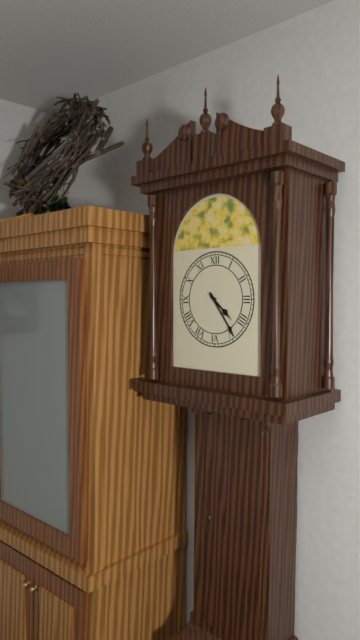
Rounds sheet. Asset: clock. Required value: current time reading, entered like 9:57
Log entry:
4:24
